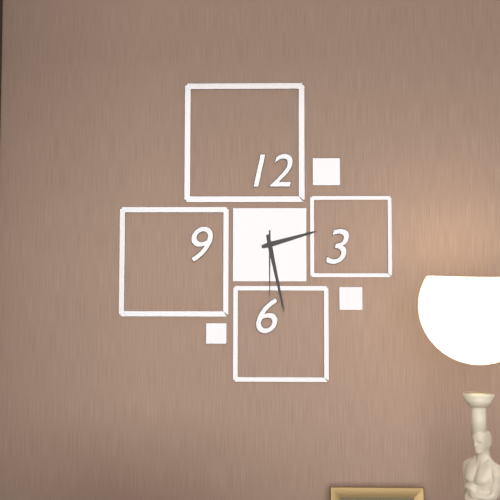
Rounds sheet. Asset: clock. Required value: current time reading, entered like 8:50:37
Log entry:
2:28:30
